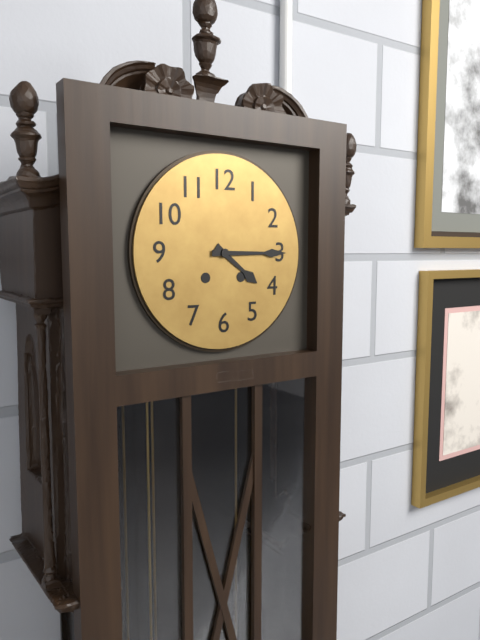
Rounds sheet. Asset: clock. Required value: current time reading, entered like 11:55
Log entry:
4:15
